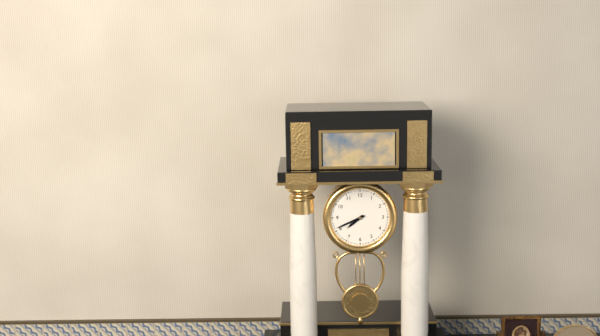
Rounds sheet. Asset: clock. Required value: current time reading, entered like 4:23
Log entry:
7:41
